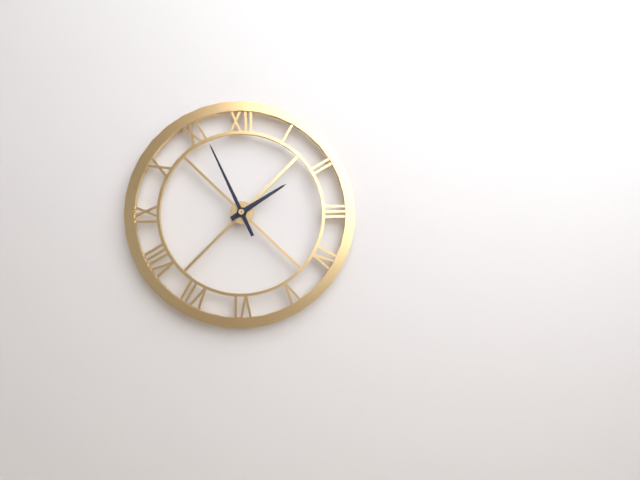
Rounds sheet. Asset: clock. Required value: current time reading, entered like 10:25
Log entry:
1:56
